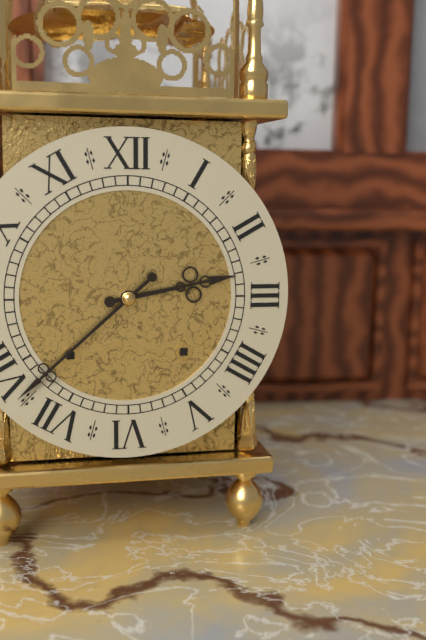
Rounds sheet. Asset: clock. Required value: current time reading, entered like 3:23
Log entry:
2:38
